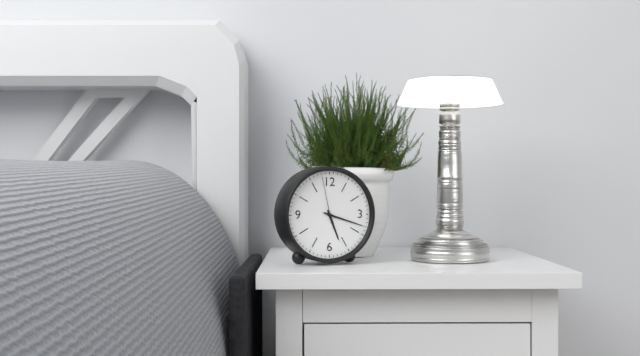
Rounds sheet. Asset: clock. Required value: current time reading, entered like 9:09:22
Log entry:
5:18:58
